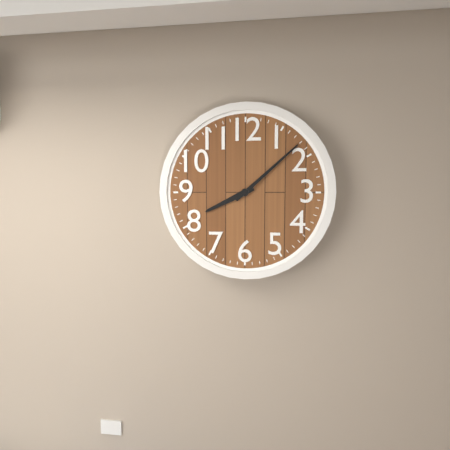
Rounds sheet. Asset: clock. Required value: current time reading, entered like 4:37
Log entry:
8:08
